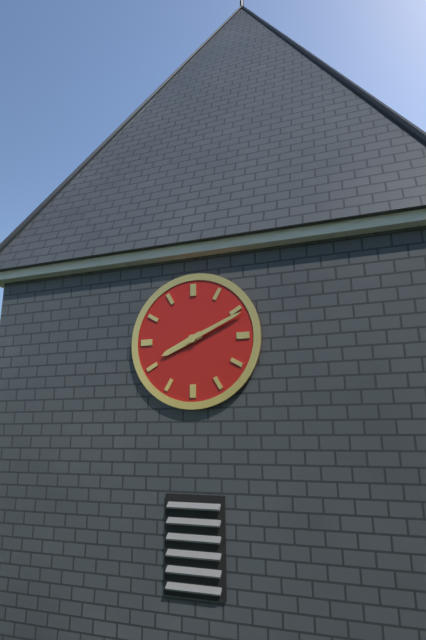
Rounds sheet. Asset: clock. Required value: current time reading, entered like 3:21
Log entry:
8:11
